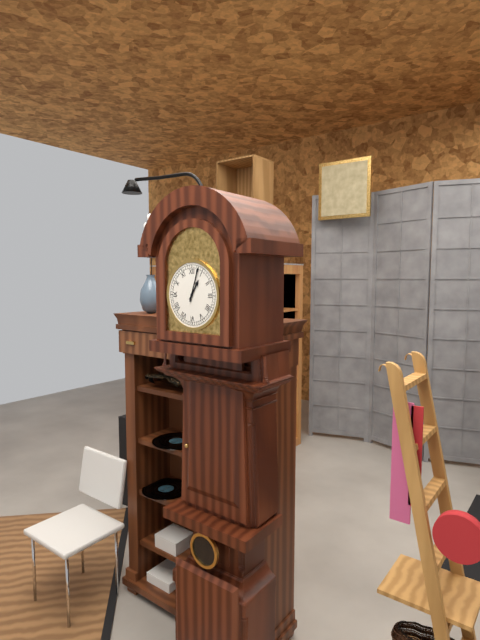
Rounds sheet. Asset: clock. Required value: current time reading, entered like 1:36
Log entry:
1:03
